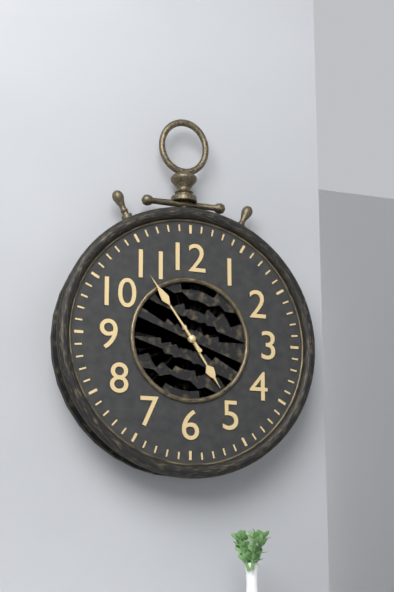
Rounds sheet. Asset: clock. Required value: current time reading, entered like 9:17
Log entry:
4:54
